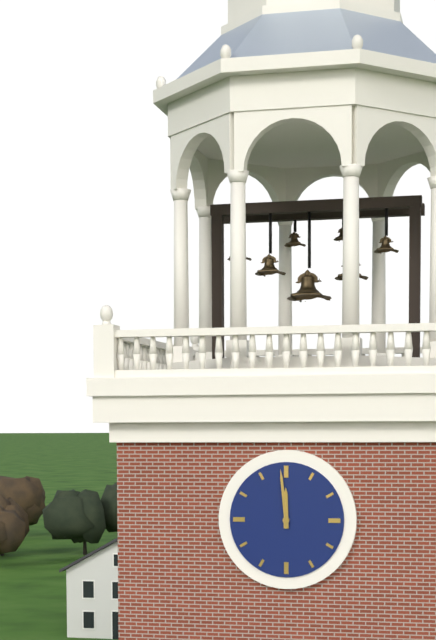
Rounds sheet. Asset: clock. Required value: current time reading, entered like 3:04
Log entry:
11:59
